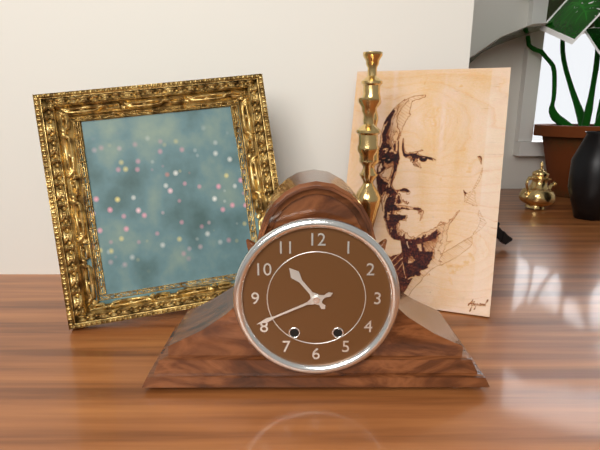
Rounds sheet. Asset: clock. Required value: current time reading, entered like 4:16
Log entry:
10:41
